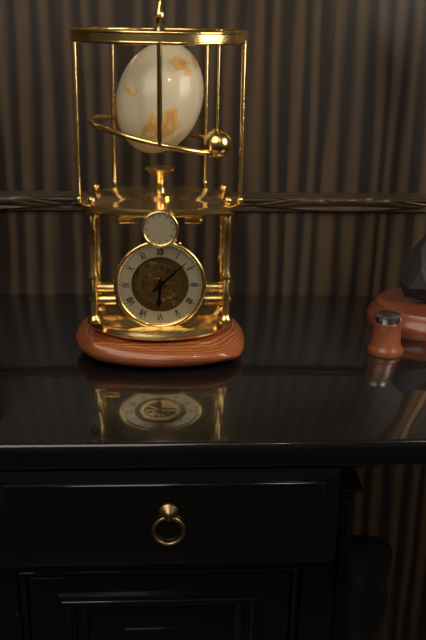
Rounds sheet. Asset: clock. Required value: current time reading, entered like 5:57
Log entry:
6:08
